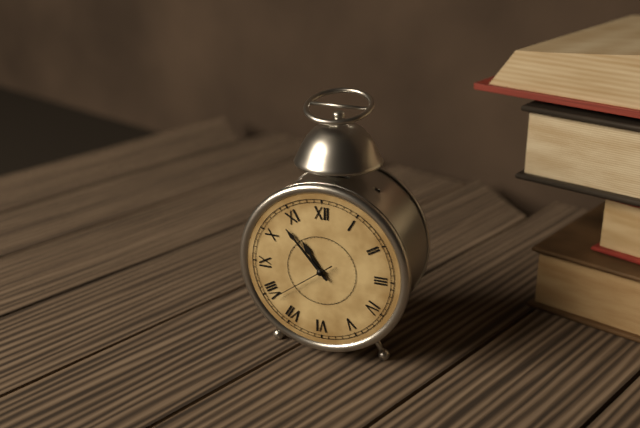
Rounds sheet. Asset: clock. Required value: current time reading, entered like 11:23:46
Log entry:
10:53:39
